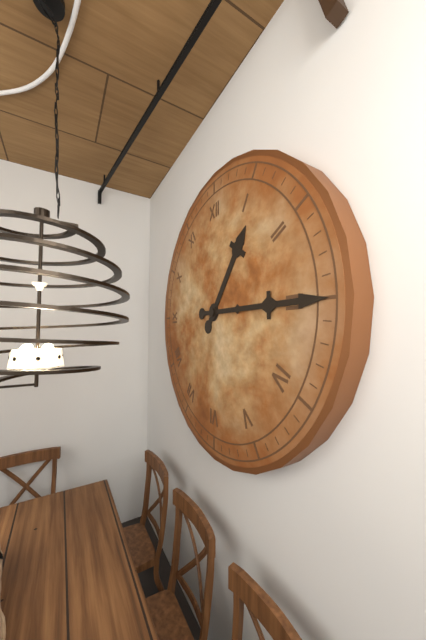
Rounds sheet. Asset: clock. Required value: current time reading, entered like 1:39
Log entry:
1:15
